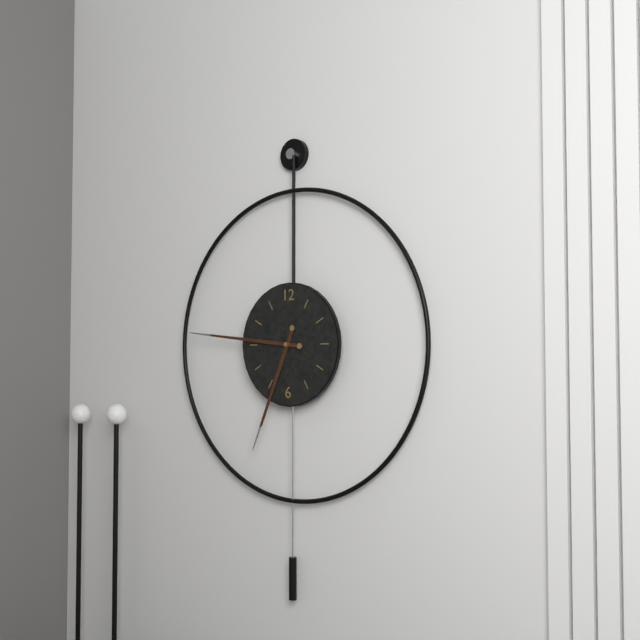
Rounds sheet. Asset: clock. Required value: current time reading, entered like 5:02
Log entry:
6:46
